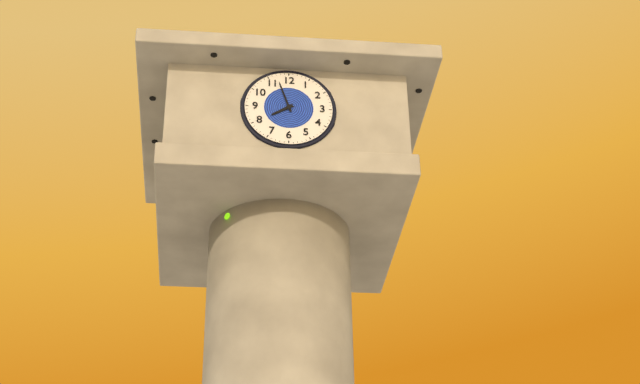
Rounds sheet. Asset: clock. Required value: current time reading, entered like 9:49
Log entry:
7:57
